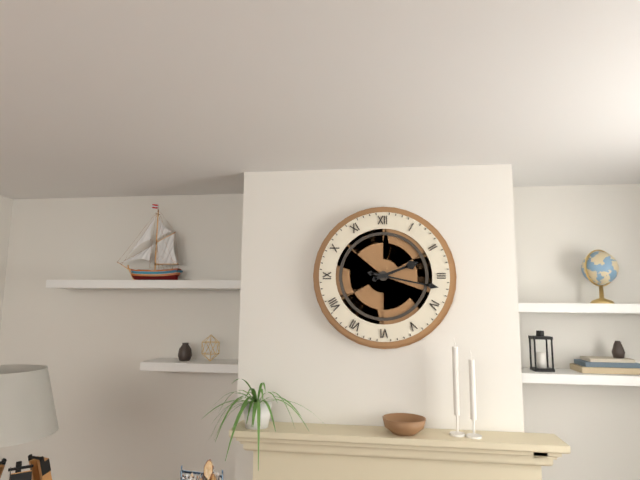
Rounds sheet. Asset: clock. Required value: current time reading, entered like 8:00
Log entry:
2:17
